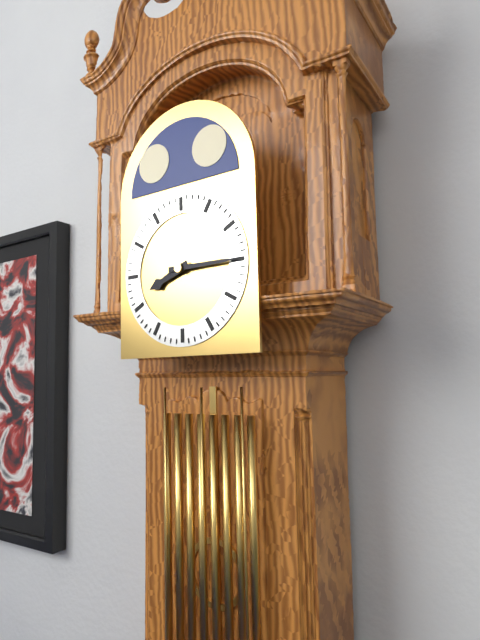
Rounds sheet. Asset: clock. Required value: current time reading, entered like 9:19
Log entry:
8:15
